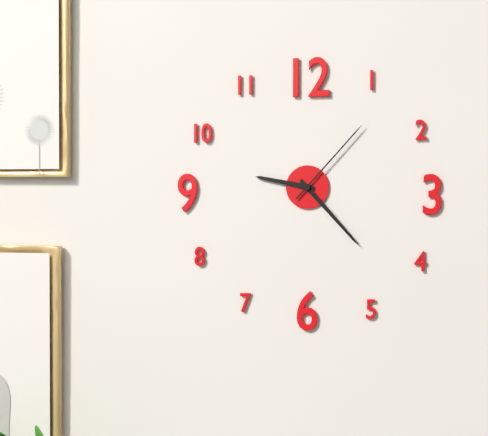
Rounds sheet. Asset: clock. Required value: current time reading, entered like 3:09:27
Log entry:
9:23:07
